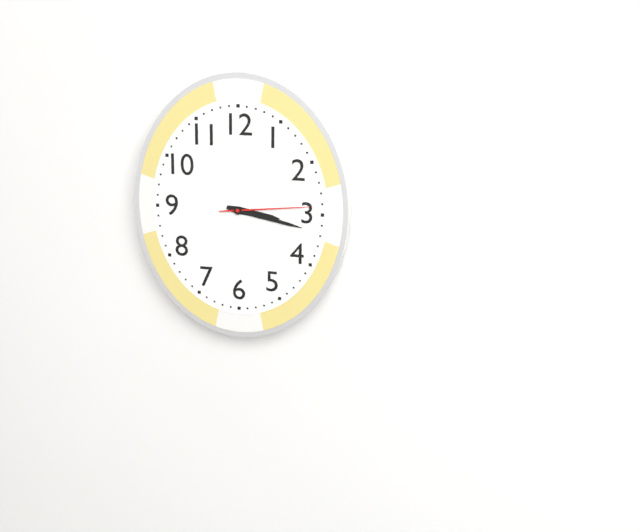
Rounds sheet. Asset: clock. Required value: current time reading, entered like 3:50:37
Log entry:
3:17:14
